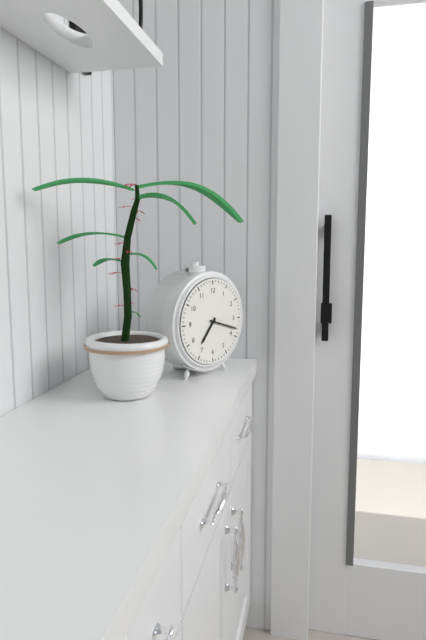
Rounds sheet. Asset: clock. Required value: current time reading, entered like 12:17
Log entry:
7:18
